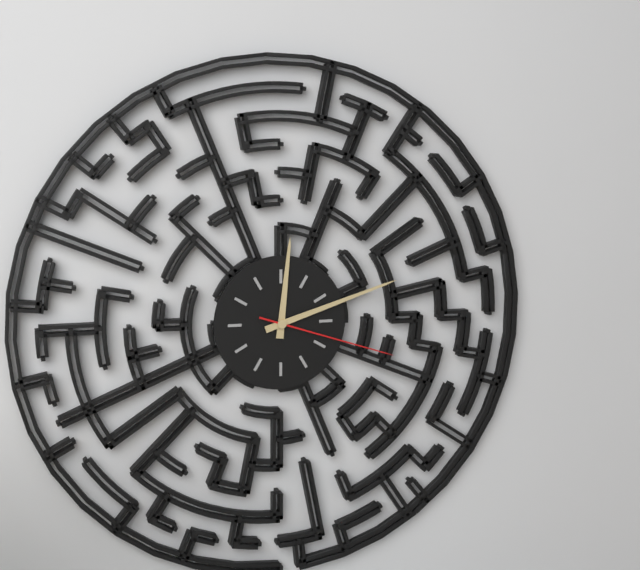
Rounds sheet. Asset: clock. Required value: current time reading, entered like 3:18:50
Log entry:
12:12:18
